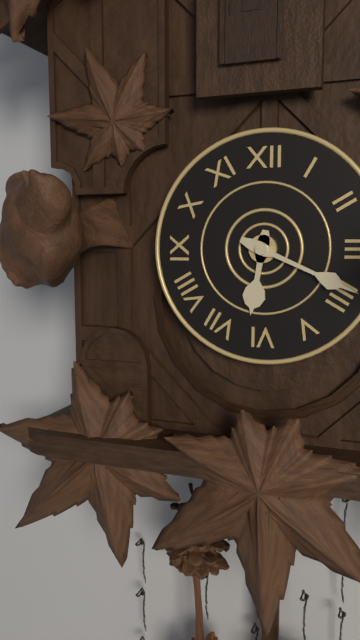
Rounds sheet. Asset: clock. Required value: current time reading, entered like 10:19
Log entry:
6:19
